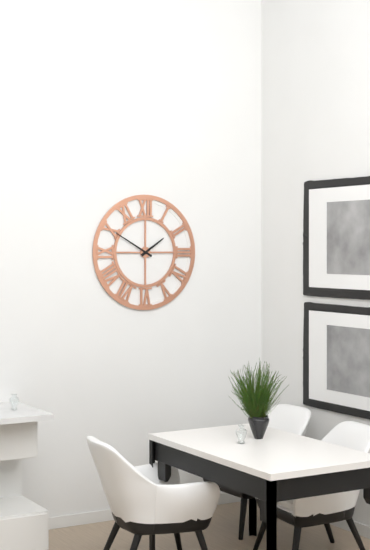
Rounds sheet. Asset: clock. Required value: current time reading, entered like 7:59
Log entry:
1:50
